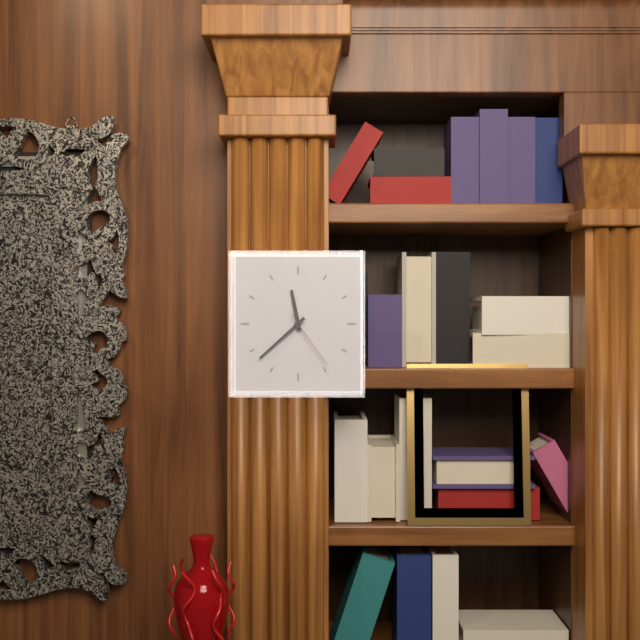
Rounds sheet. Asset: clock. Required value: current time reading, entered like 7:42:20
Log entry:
11:38:24
